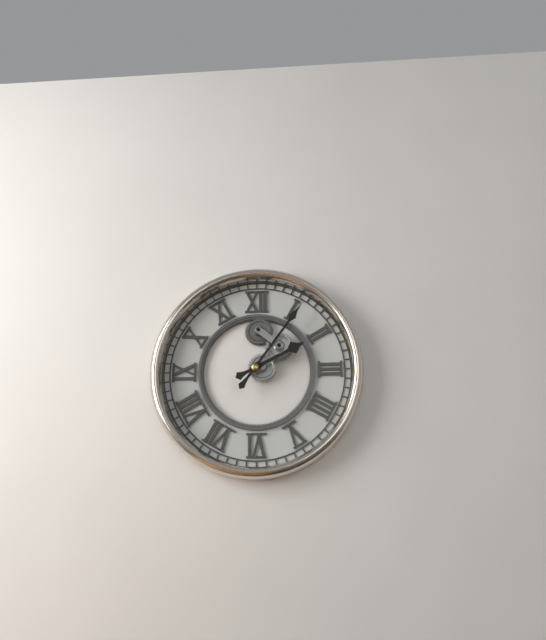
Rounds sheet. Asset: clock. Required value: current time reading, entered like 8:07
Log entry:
2:06
